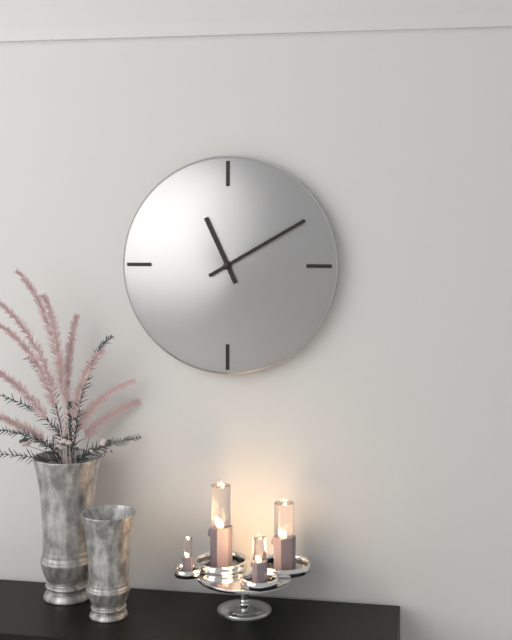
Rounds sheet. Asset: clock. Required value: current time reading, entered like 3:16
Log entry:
11:10
